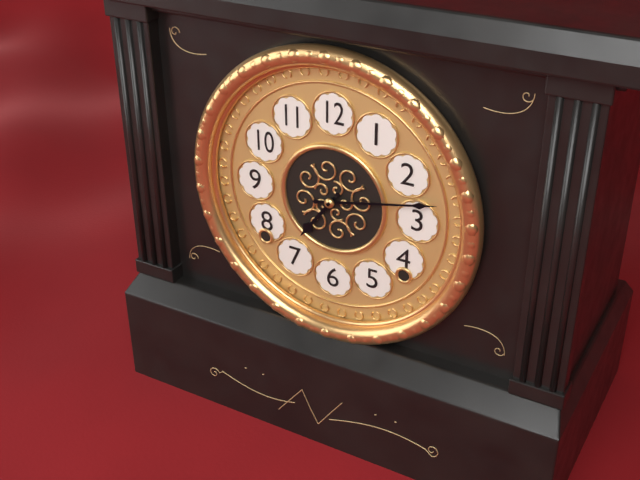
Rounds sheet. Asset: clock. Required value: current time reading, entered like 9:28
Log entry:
7:13
